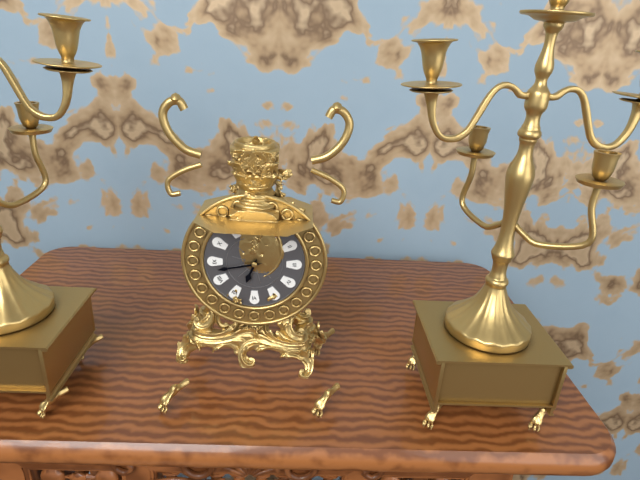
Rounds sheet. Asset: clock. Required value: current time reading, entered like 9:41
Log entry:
6:43
